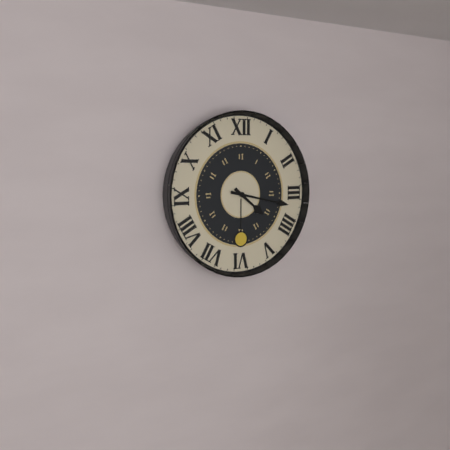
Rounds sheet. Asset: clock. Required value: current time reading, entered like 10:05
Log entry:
4:17
